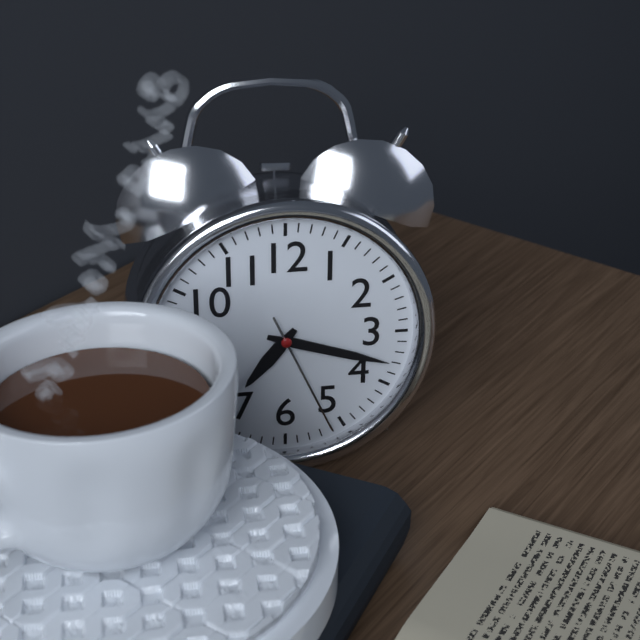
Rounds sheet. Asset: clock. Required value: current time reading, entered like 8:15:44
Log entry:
7:18:26
